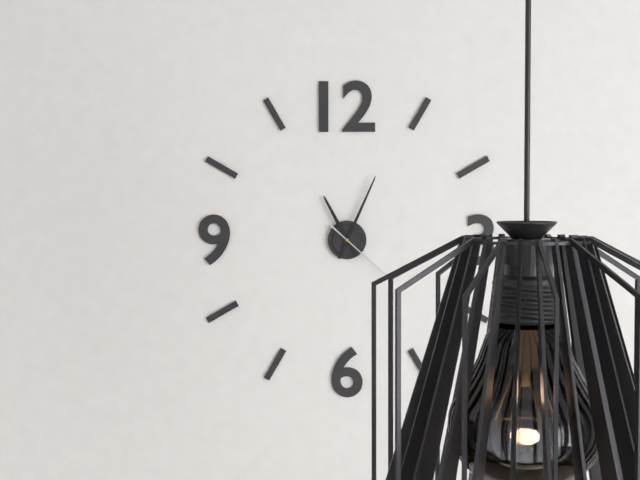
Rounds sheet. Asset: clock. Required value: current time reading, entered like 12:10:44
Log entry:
11:04:22
